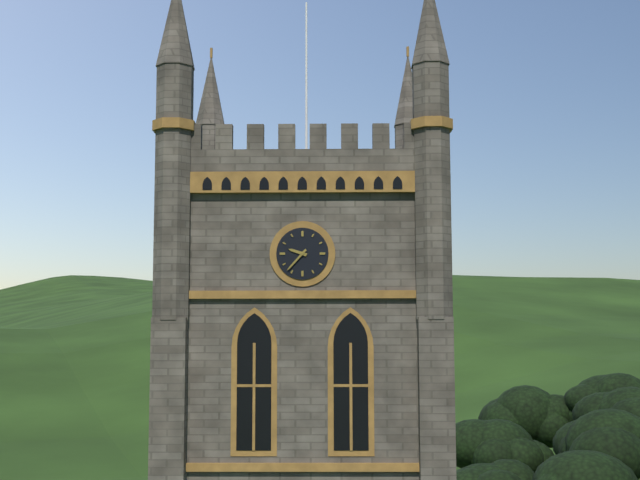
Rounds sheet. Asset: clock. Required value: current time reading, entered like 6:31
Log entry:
9:37
